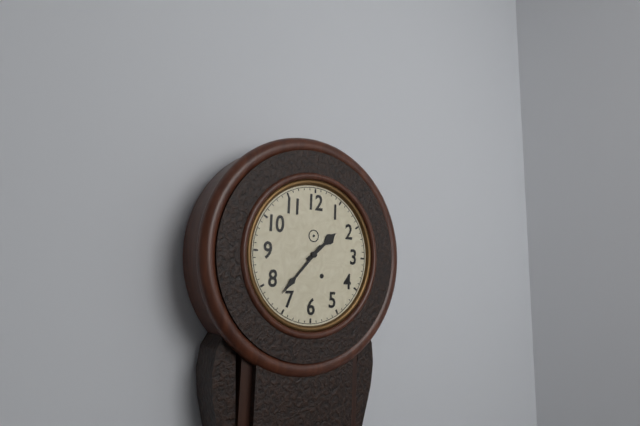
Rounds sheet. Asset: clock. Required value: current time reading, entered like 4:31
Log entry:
1:37
